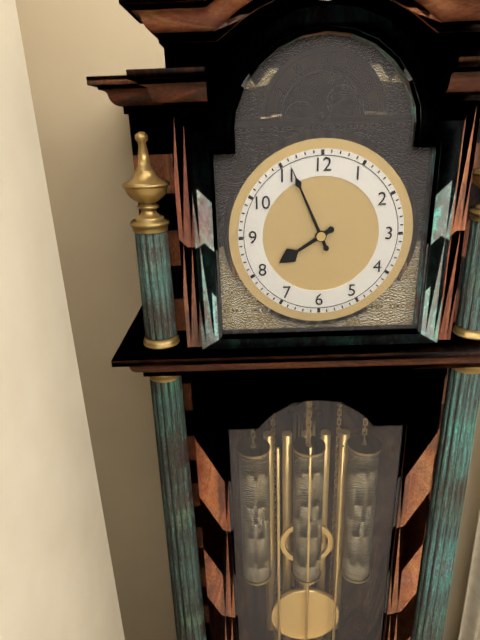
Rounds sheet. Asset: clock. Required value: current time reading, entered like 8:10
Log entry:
7:56
